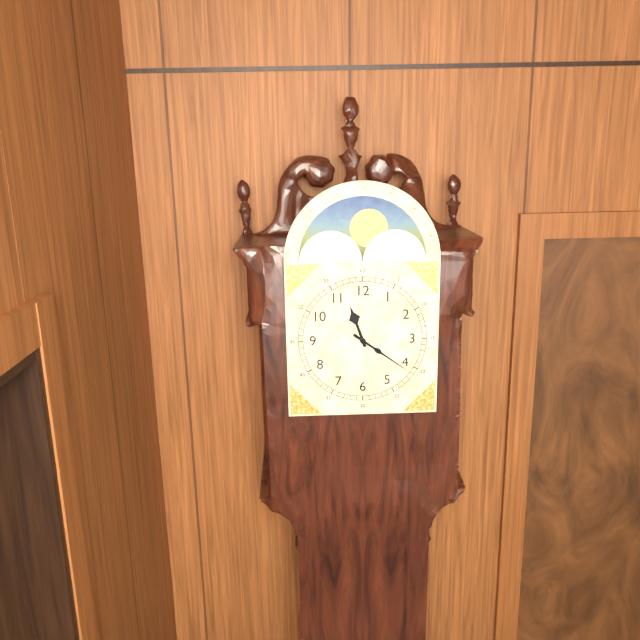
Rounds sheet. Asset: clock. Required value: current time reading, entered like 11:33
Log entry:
11:21
